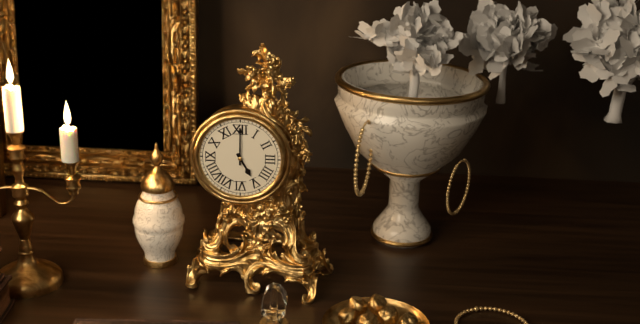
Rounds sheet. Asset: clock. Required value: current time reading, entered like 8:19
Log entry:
5:00
